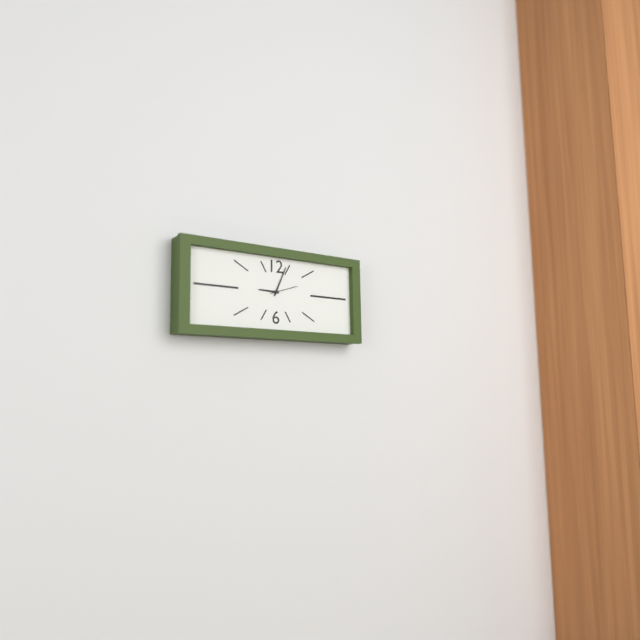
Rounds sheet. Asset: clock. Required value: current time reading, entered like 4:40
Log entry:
9:04
